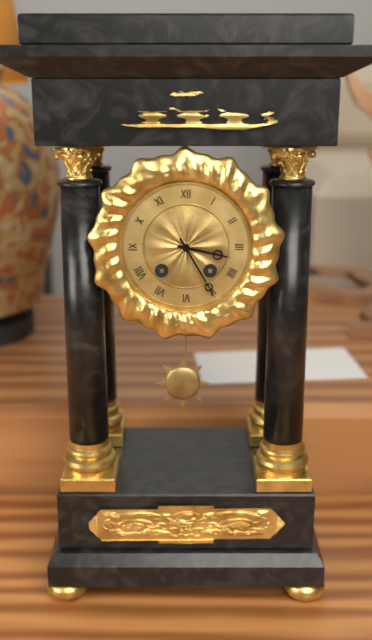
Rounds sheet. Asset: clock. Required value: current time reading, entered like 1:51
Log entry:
3:25
